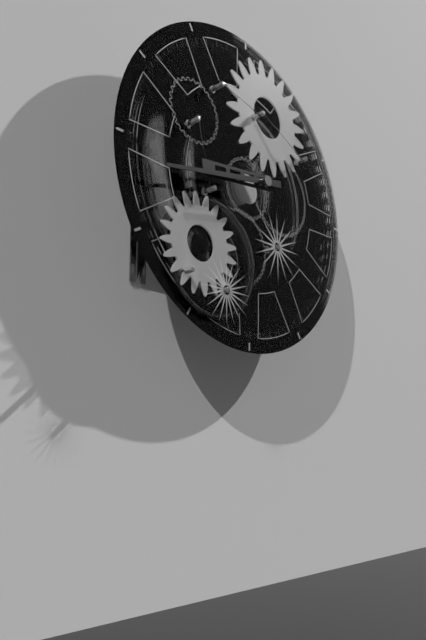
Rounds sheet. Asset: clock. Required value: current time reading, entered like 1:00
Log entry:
8:43
